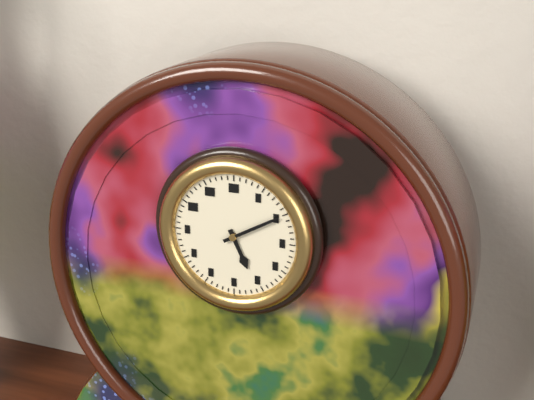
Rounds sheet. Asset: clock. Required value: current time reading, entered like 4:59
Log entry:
5:10
